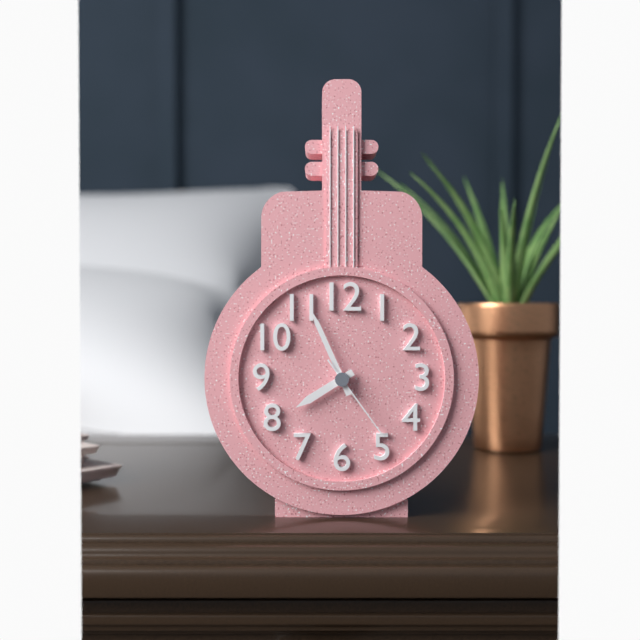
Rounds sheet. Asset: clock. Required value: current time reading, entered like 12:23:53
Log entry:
7:56:24
